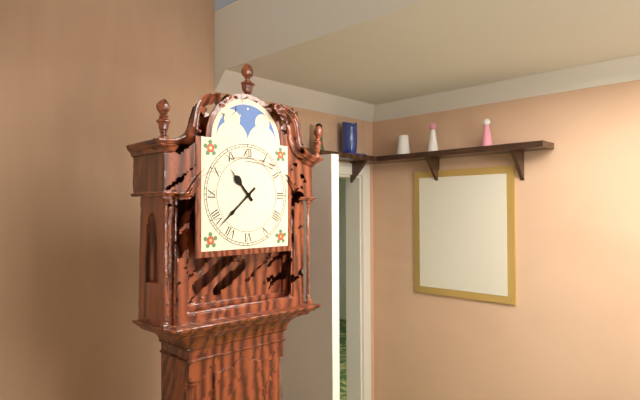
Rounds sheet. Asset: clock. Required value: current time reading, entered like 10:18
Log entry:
10:38
